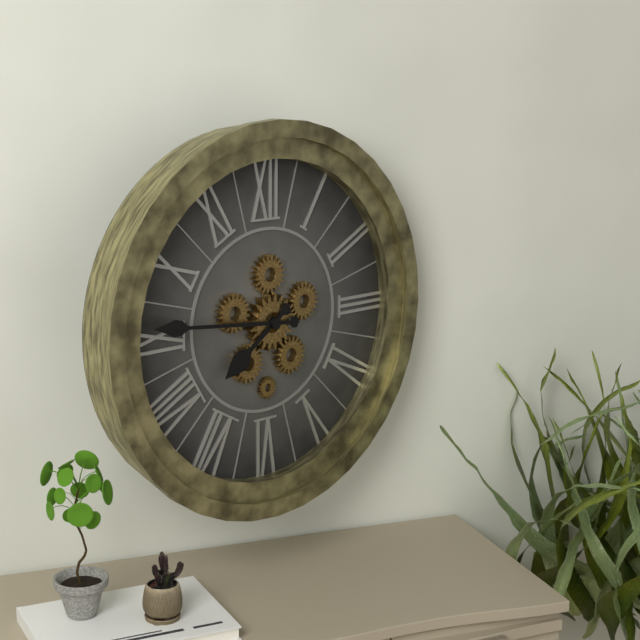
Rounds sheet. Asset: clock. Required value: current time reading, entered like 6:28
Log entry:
7:46
